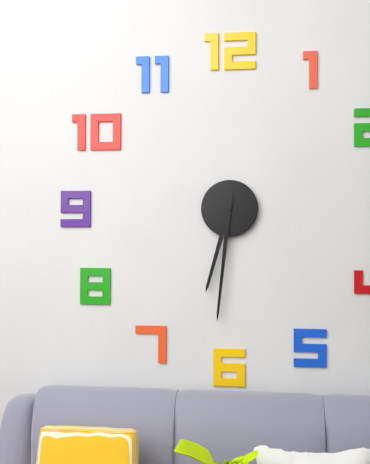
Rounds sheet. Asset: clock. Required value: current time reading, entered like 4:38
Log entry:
6:31
